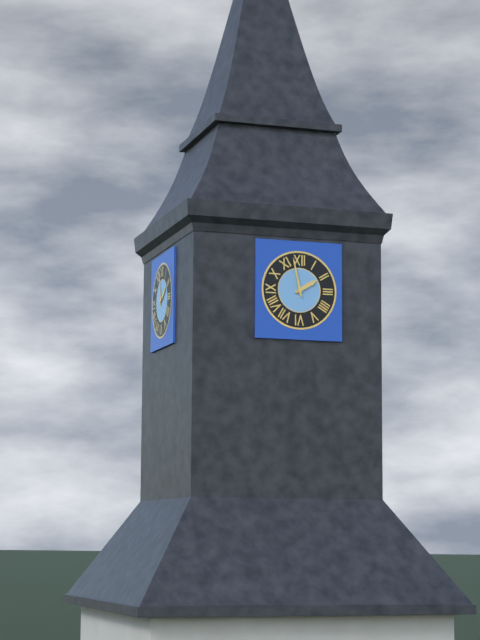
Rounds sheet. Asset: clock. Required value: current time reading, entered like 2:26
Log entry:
1:58
